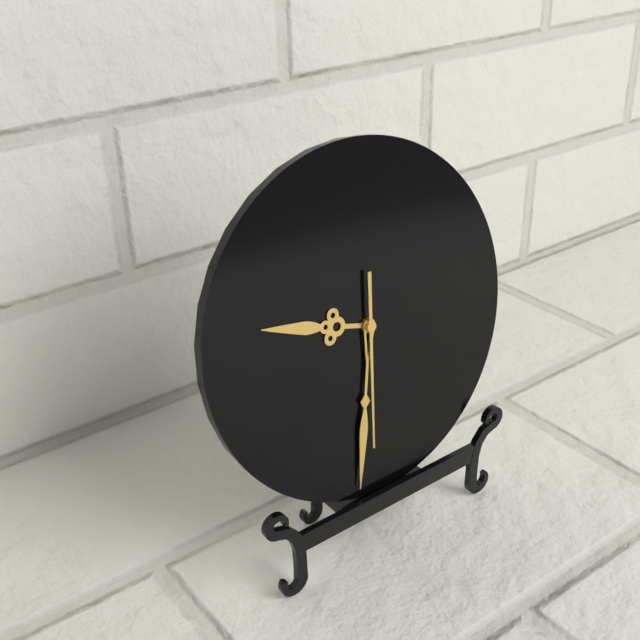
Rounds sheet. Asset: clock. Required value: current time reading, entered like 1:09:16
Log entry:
9:32:31
